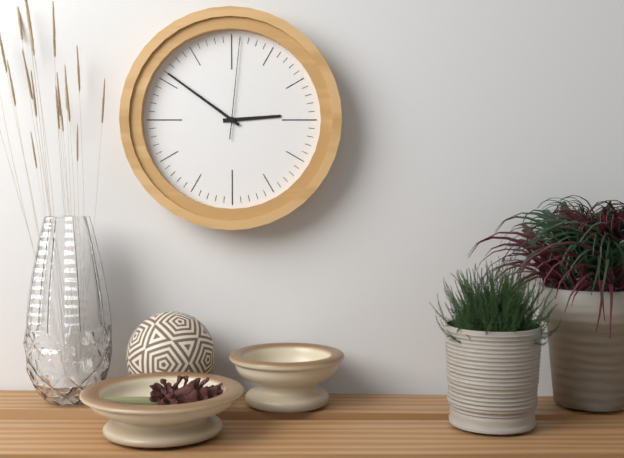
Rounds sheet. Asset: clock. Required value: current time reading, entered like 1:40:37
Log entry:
2:51:01
